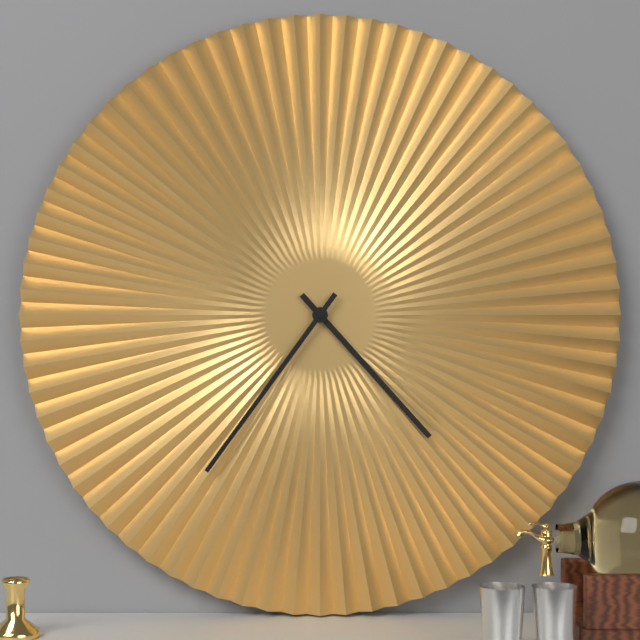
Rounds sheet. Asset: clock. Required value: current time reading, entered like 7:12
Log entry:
4:36
